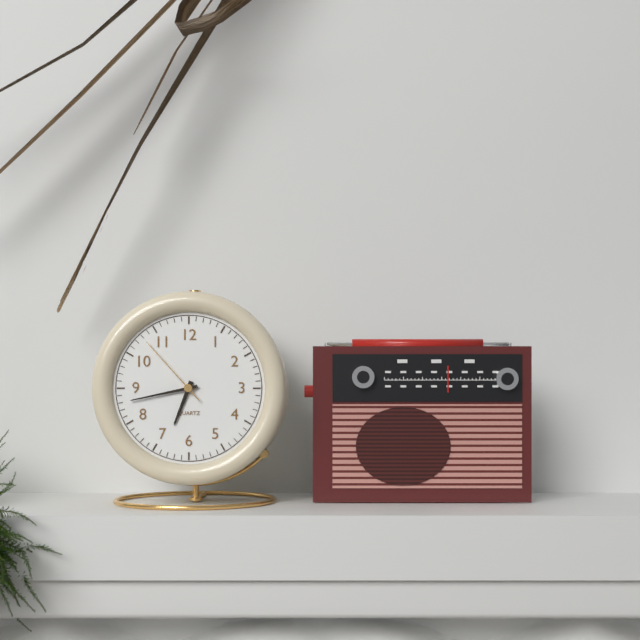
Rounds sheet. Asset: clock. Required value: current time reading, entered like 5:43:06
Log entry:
6:43:53
